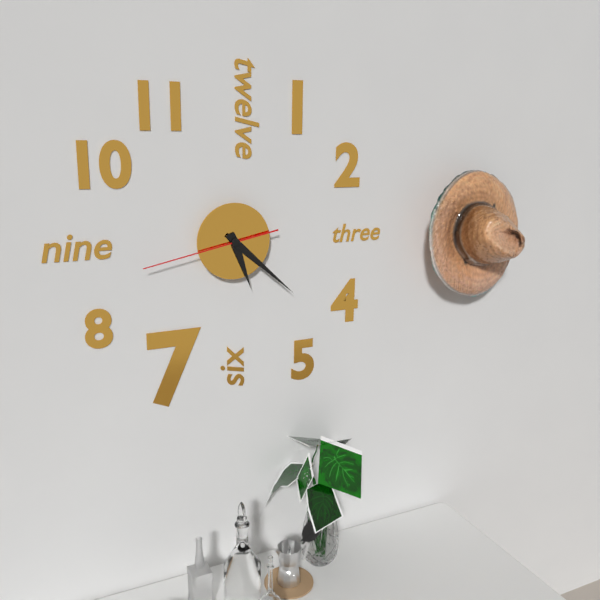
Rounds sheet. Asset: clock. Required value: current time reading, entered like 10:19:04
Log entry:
5:22:43
